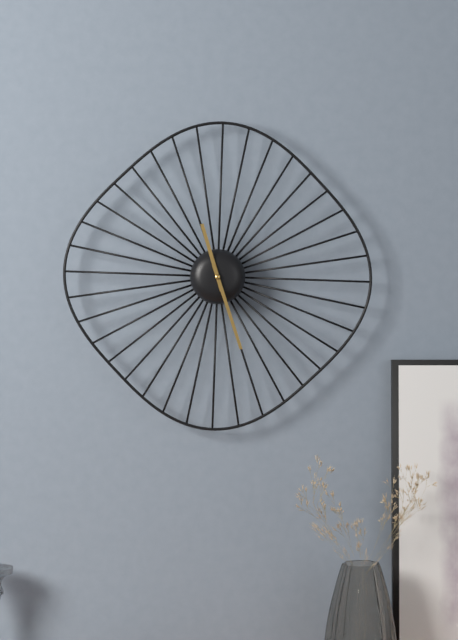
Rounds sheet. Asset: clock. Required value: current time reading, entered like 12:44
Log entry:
11:27
